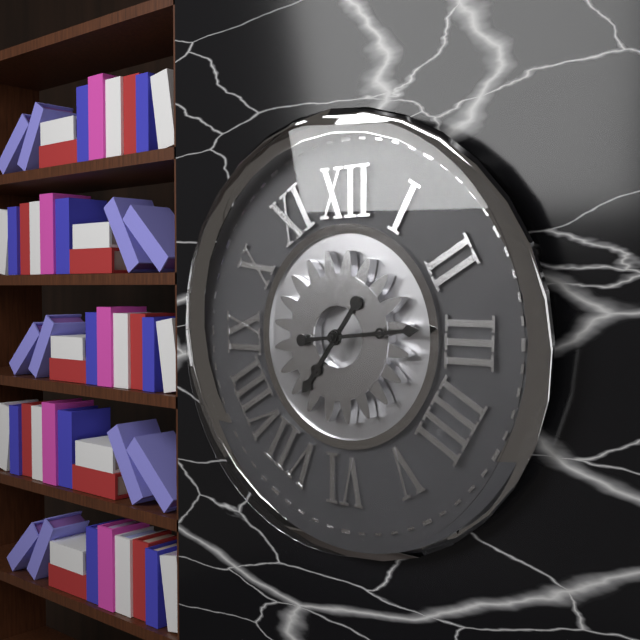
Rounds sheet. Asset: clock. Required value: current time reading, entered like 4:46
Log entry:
7:14
